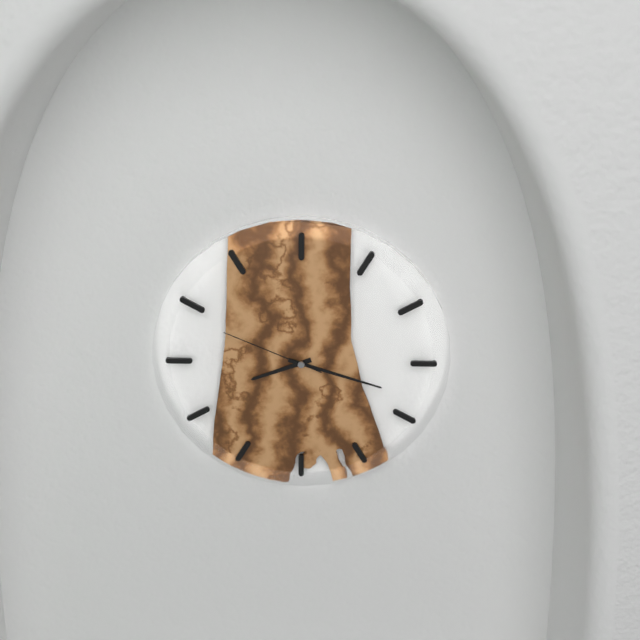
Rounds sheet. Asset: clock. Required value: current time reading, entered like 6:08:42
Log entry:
8:18:49
